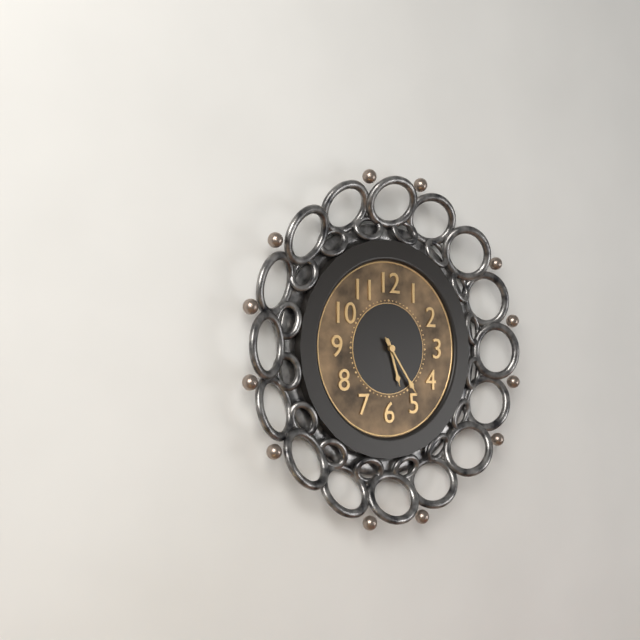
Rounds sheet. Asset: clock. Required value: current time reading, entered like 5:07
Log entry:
5:24
